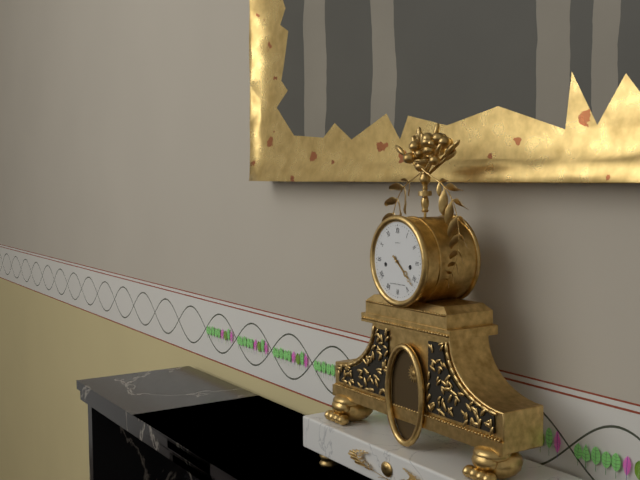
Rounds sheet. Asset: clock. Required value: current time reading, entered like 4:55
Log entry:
4:22
